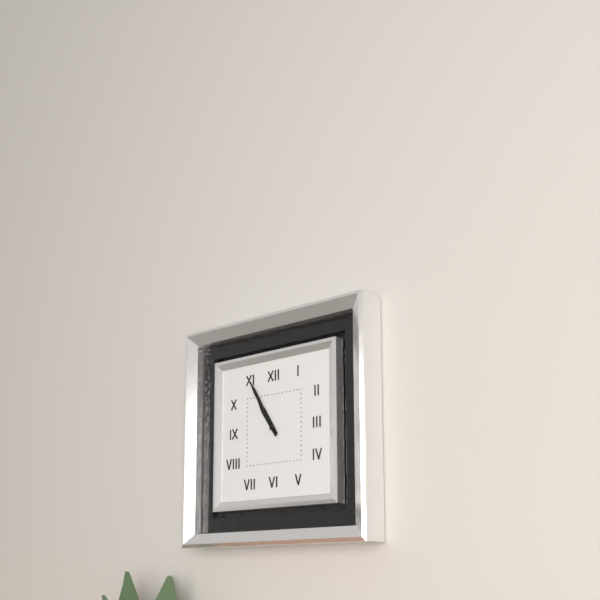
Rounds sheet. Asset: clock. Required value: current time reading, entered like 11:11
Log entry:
10:55
